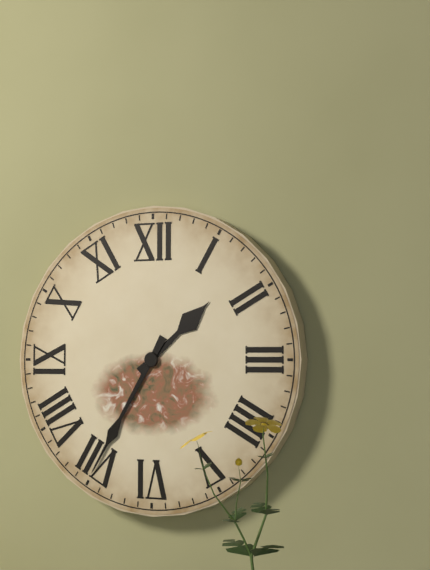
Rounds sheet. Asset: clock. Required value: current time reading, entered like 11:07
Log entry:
1:35
